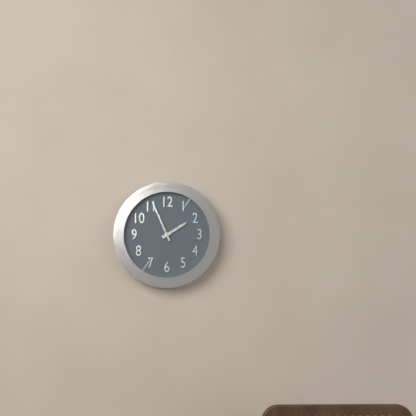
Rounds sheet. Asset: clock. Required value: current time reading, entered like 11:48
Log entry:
1:56
